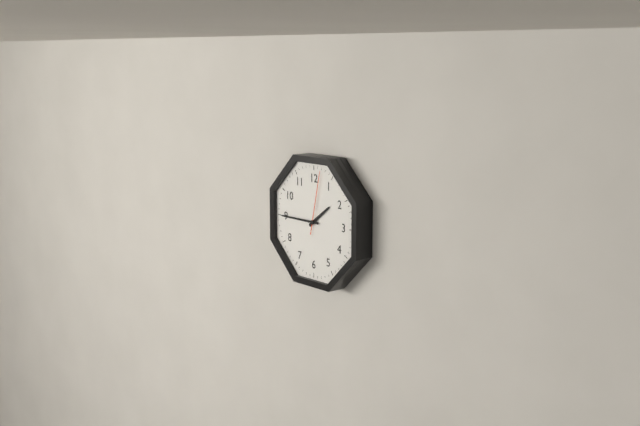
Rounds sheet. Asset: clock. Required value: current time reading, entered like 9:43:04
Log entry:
1:45:02
